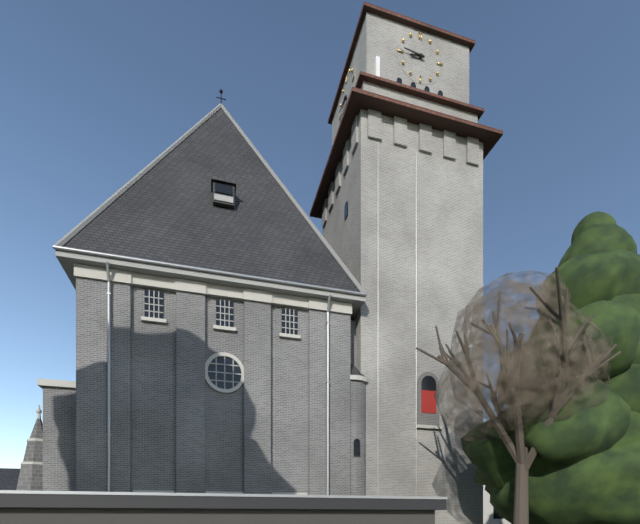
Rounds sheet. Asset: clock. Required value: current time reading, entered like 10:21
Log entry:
8:46
